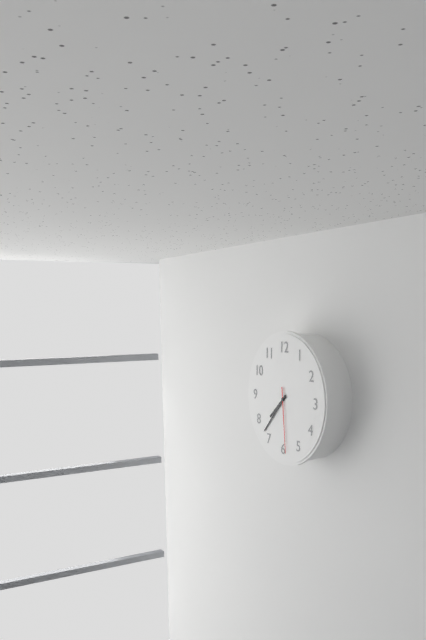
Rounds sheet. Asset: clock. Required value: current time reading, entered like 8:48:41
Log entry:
7:37:29
